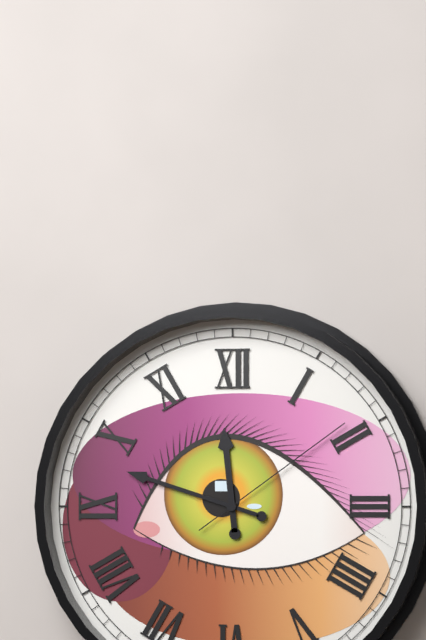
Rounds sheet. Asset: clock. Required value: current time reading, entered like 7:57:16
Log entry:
11:48:09
